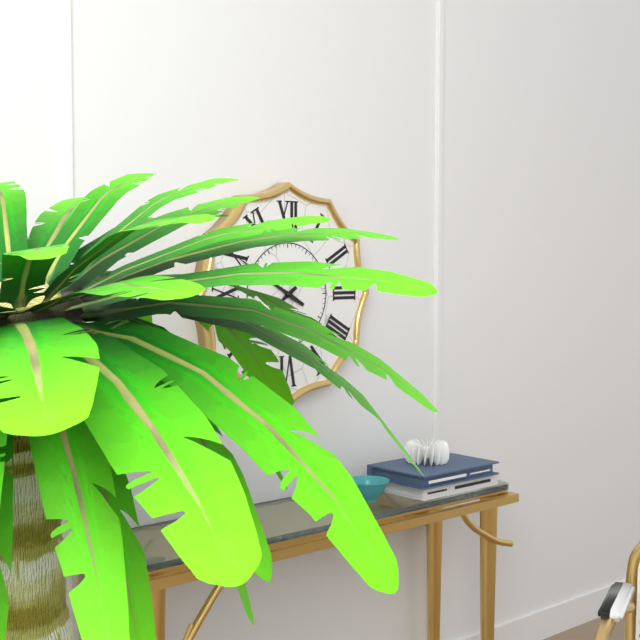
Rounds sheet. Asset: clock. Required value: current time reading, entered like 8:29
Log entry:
7:50
